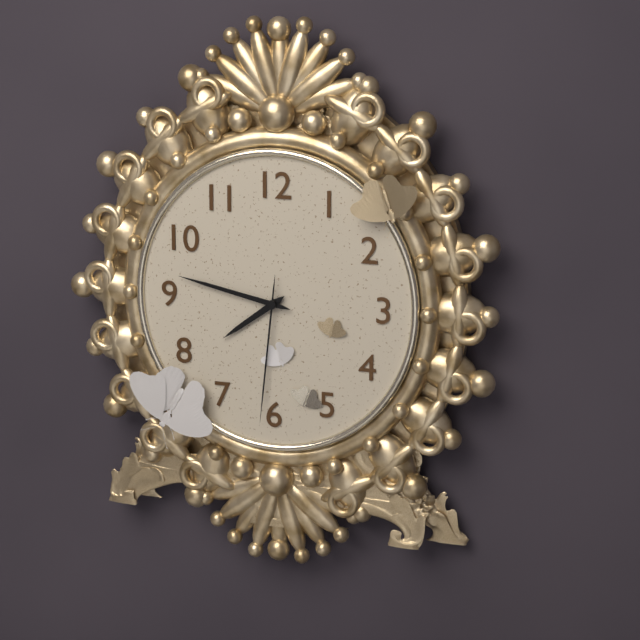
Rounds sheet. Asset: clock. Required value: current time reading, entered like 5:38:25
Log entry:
7:47:31
